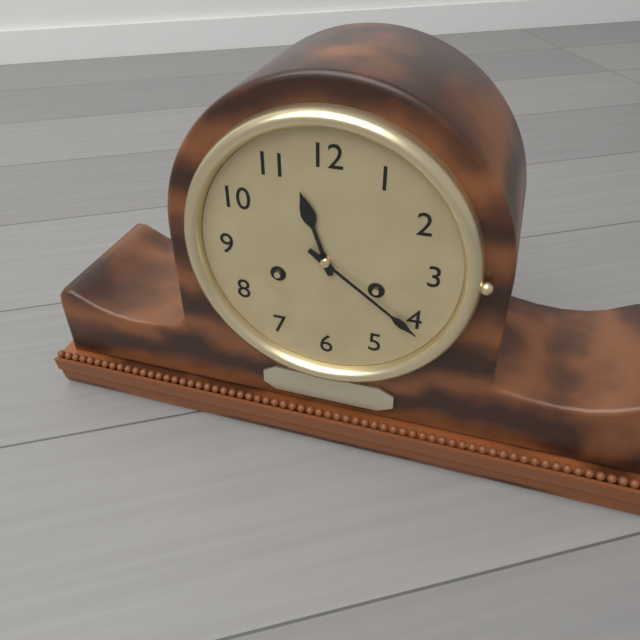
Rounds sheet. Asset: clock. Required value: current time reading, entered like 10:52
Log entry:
11:21
